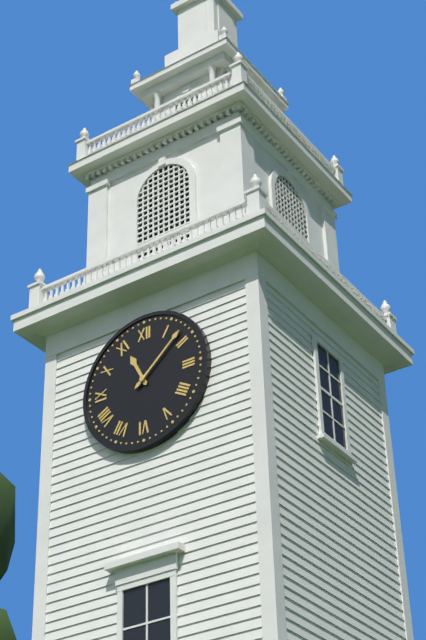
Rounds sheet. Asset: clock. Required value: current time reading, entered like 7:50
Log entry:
11:08
